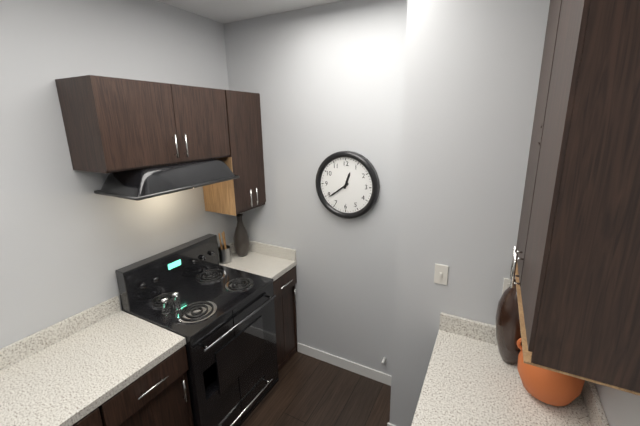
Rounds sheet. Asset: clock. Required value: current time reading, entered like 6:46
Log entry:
12:39
